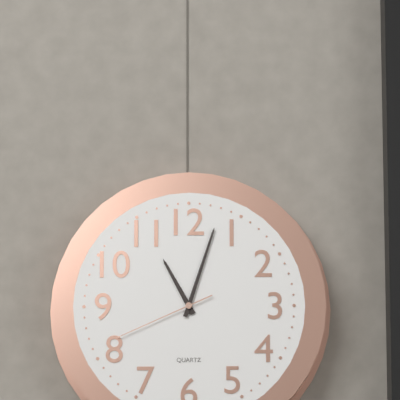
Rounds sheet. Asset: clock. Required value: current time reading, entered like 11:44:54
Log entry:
11:03:41
